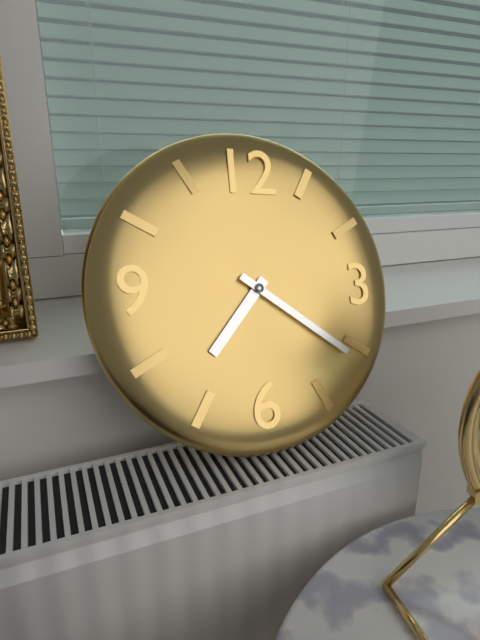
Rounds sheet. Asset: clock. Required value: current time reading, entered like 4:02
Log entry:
7:21
